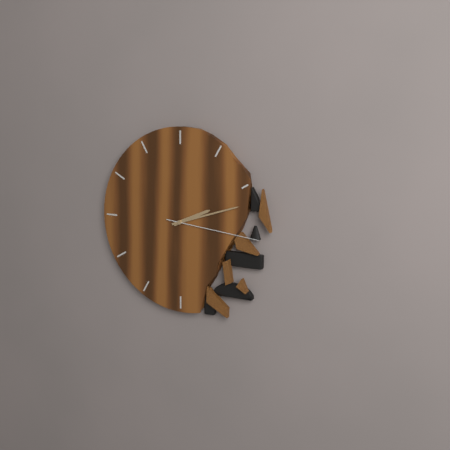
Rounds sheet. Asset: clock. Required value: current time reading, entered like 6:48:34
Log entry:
2:12:16
